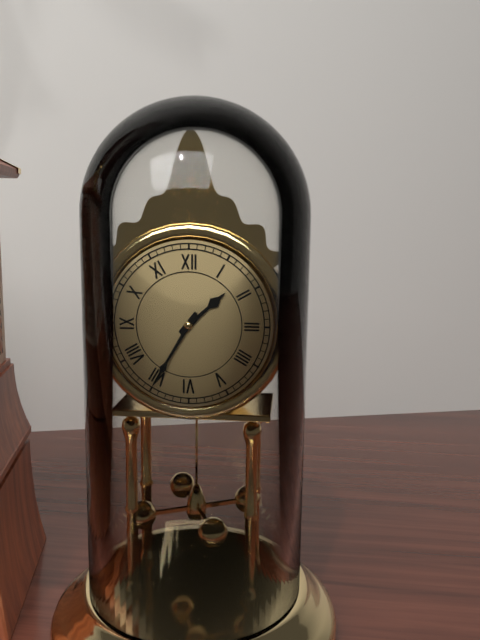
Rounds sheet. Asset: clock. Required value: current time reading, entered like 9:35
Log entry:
1:35
